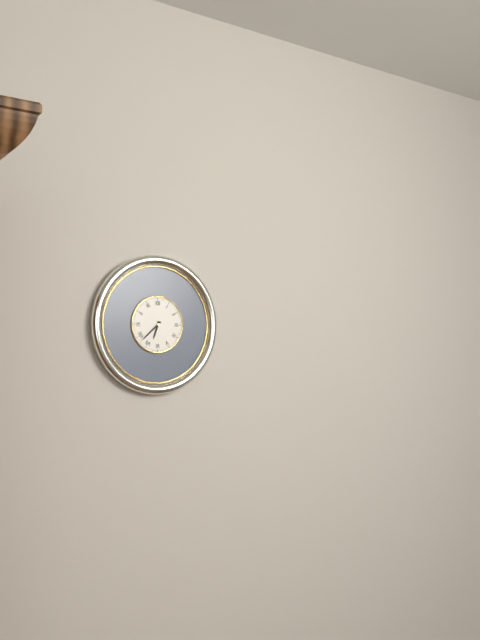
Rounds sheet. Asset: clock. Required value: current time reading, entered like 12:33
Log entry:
6:38
